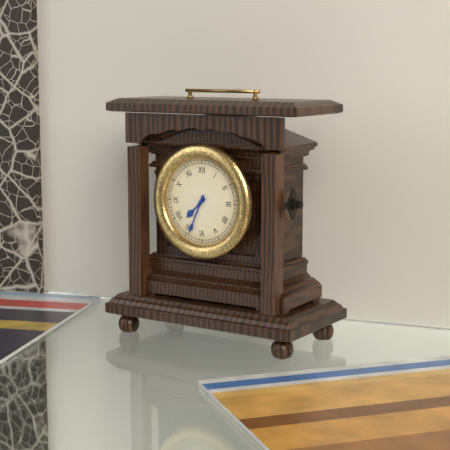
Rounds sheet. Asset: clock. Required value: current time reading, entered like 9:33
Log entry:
7:34
